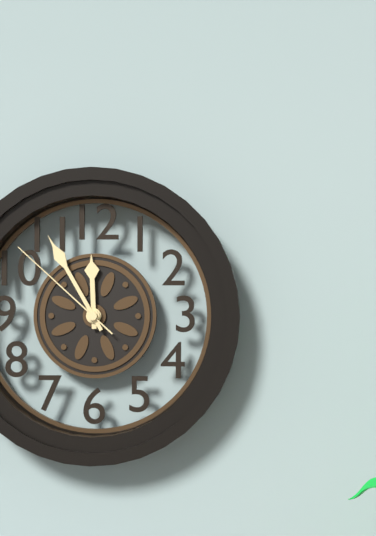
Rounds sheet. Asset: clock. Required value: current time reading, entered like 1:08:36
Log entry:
11:55:52
